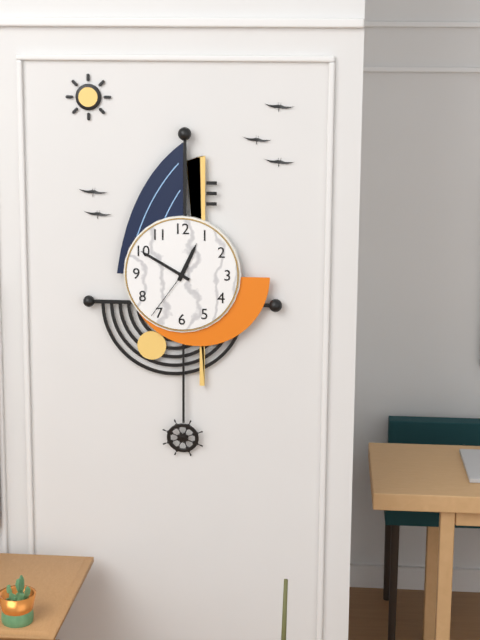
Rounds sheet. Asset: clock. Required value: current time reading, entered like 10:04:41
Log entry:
12:50:36
